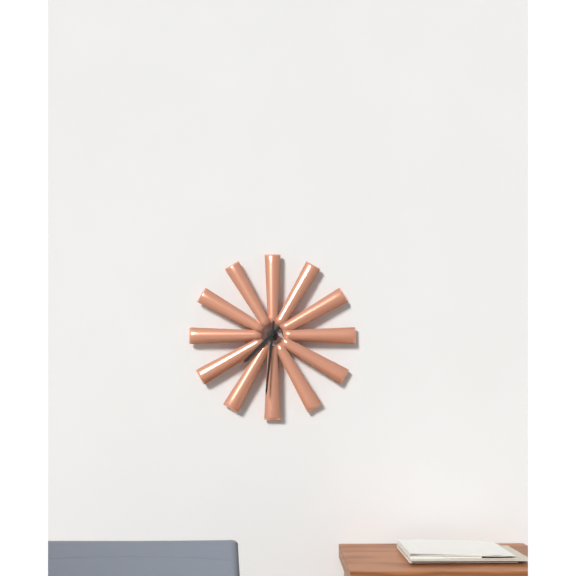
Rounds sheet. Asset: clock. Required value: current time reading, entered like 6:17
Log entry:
7:31
